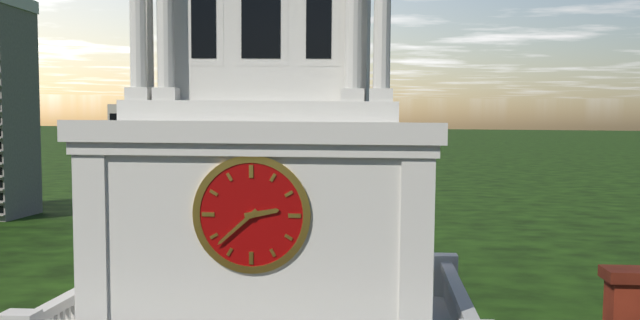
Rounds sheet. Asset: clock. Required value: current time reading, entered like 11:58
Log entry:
2:38
